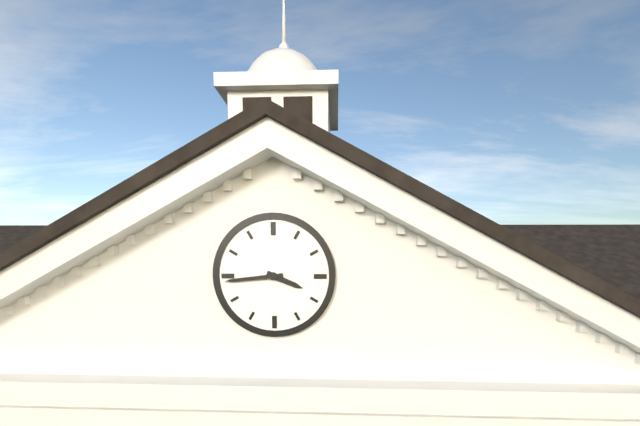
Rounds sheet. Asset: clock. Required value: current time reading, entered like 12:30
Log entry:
3:44
